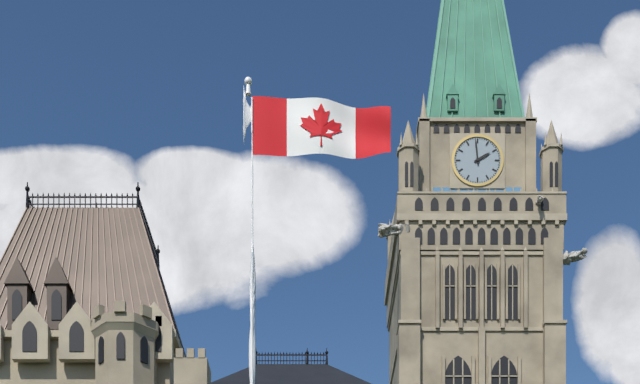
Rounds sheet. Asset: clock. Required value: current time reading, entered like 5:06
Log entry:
1:59
